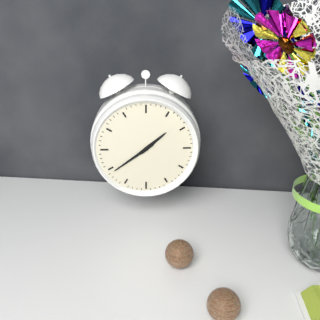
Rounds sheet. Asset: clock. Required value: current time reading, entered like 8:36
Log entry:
1:39
